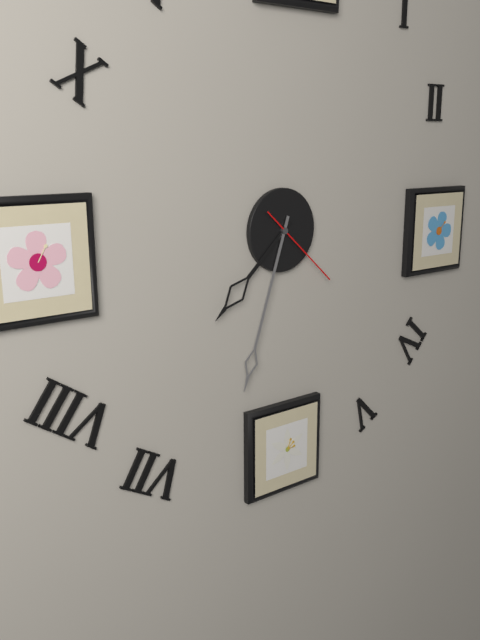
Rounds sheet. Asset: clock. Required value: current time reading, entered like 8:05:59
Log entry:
7:33:22
